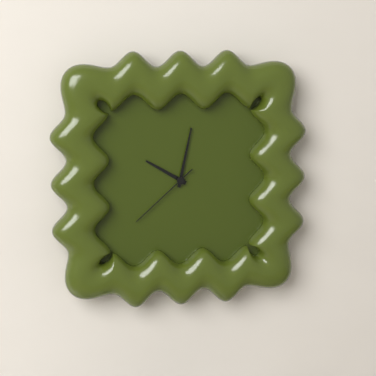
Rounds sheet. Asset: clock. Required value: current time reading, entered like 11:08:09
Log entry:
10:02:38
